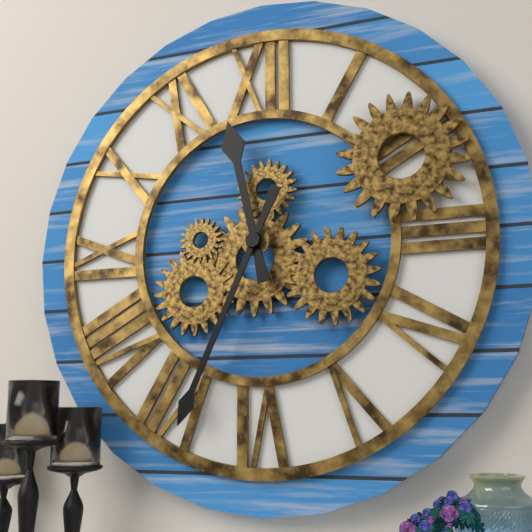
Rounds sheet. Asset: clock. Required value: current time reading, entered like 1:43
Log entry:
11:34
